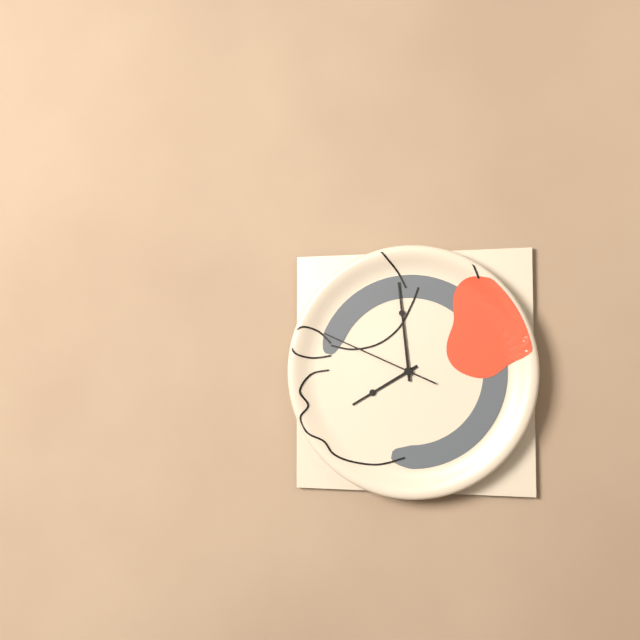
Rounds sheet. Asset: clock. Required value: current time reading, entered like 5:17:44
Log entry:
7:59:49
